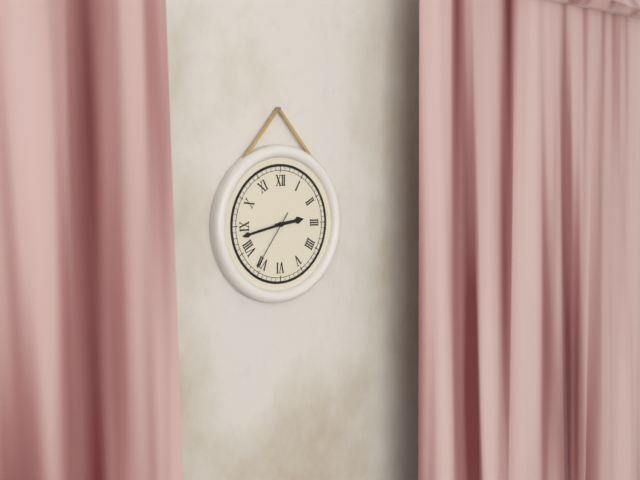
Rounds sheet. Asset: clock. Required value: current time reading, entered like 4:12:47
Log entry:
2:43:36
